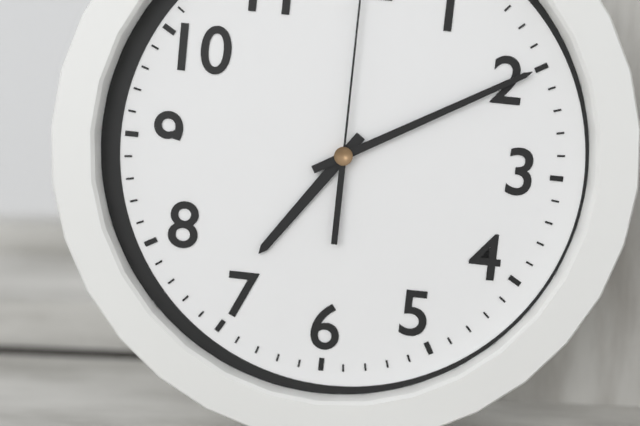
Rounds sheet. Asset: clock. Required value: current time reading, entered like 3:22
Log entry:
7:10
